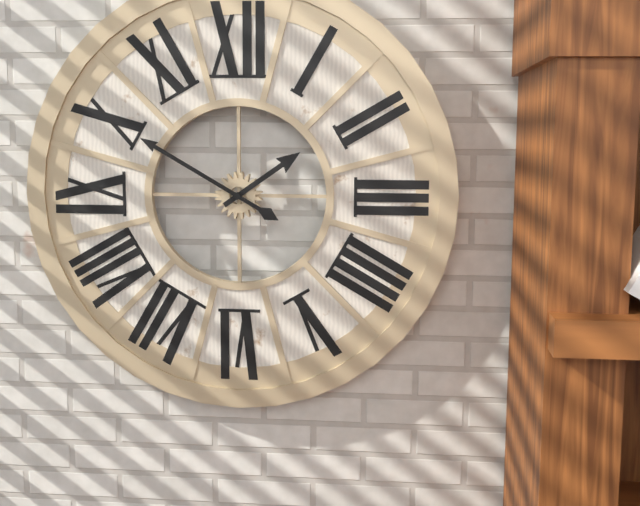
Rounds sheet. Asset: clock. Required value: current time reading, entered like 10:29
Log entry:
1:50
